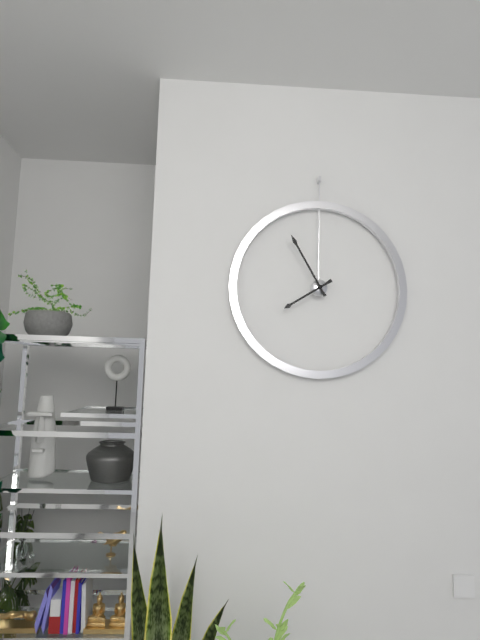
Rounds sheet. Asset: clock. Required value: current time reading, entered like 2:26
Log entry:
7:55
